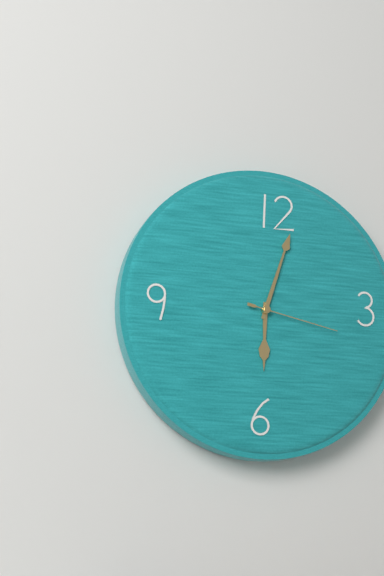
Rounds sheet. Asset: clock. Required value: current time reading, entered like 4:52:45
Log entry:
6:03:17
